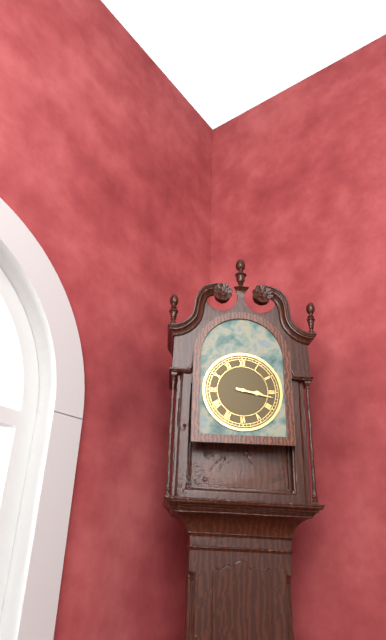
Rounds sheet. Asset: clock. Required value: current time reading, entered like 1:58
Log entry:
3:17
